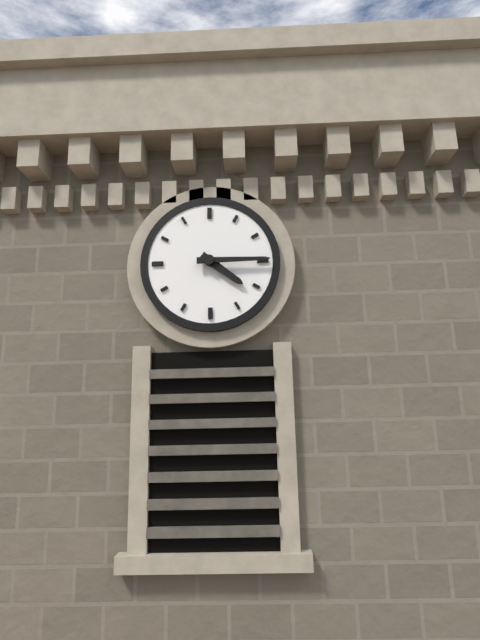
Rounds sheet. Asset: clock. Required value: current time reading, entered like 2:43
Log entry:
4:15
